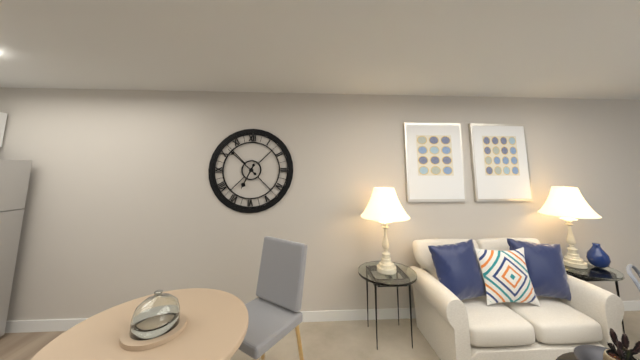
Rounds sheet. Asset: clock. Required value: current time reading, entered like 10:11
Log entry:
6:52
